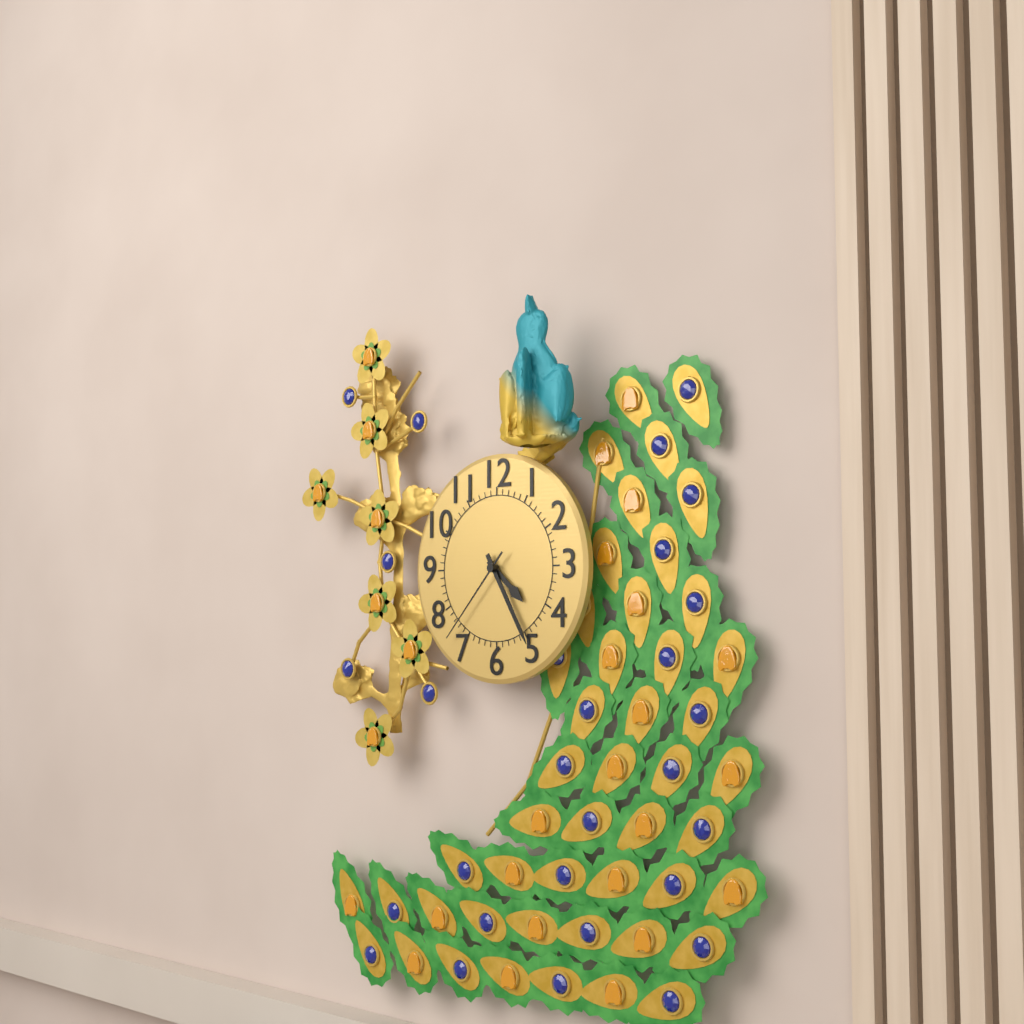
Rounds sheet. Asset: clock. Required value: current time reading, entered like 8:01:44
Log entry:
4:25:37
